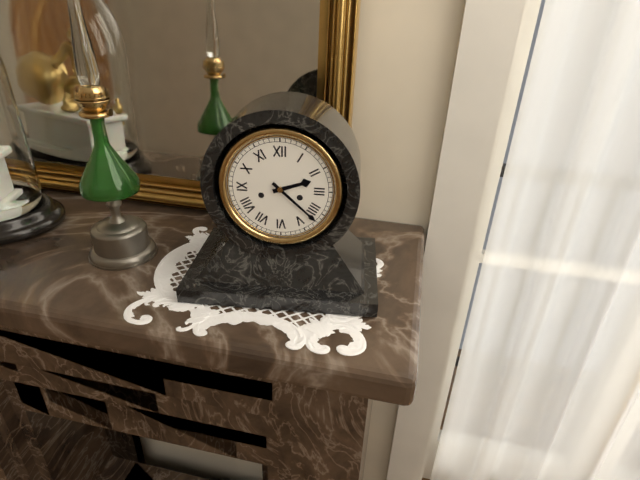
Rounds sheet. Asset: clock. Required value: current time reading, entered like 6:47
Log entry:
2:22
